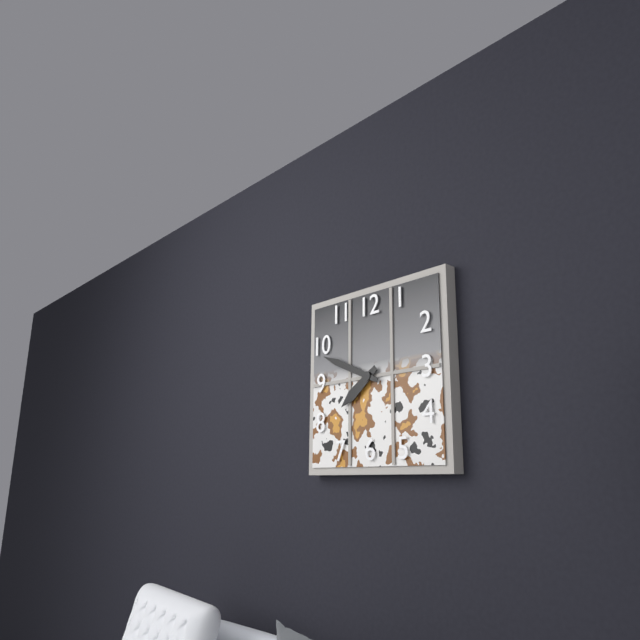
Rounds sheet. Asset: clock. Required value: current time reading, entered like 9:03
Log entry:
7:49
